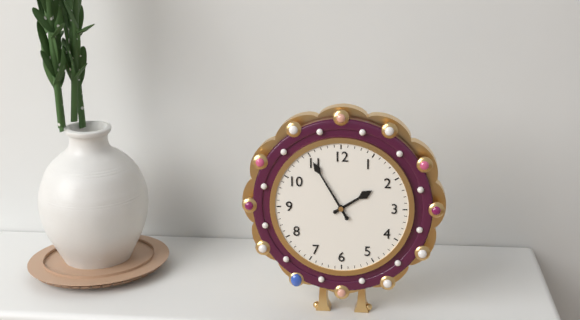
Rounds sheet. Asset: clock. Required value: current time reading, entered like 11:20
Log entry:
1:55
